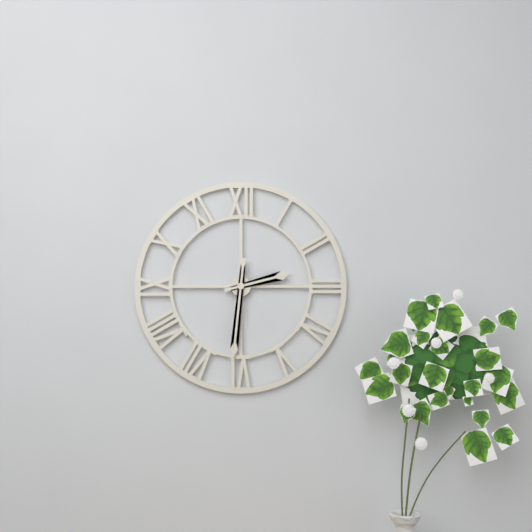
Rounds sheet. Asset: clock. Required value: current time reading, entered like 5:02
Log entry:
2:31
